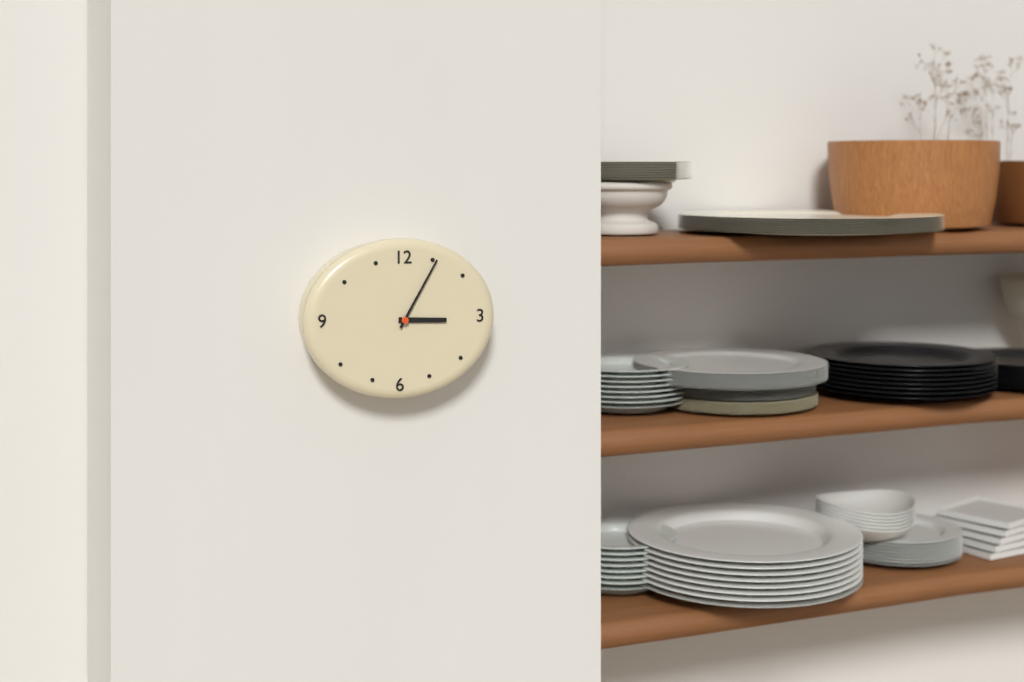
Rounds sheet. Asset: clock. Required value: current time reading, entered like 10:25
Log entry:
3:05
